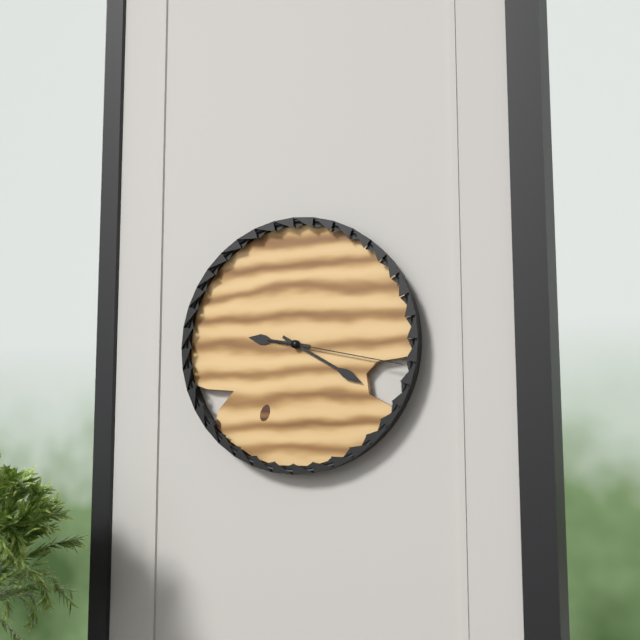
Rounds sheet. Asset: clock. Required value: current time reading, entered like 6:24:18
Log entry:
9:20:17
